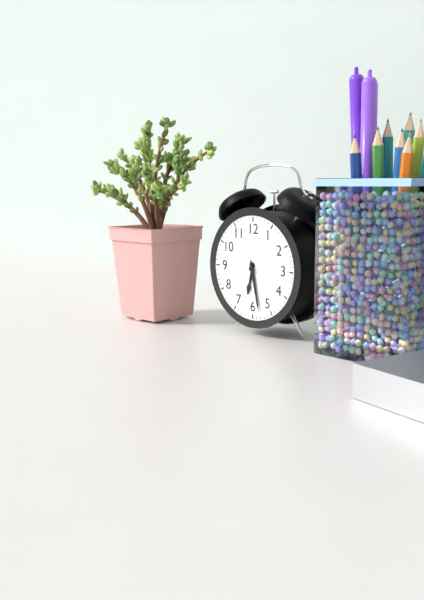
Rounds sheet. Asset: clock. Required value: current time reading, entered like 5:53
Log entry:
6:28
